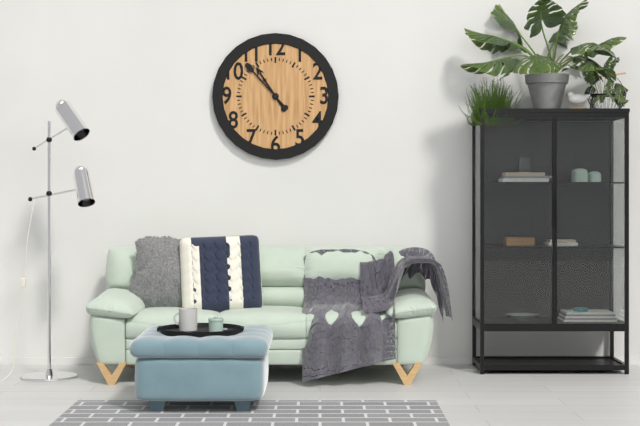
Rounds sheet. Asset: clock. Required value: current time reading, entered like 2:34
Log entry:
10:53
